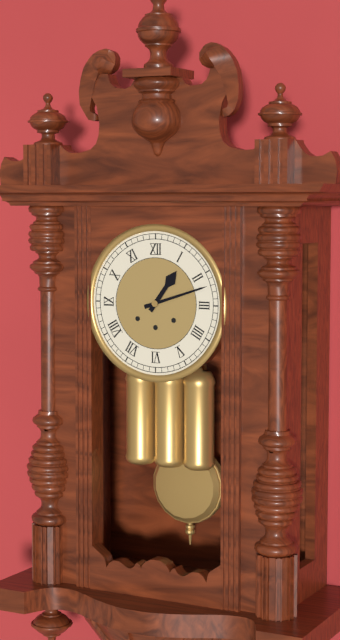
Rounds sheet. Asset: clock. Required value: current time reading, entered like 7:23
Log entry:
1:12
